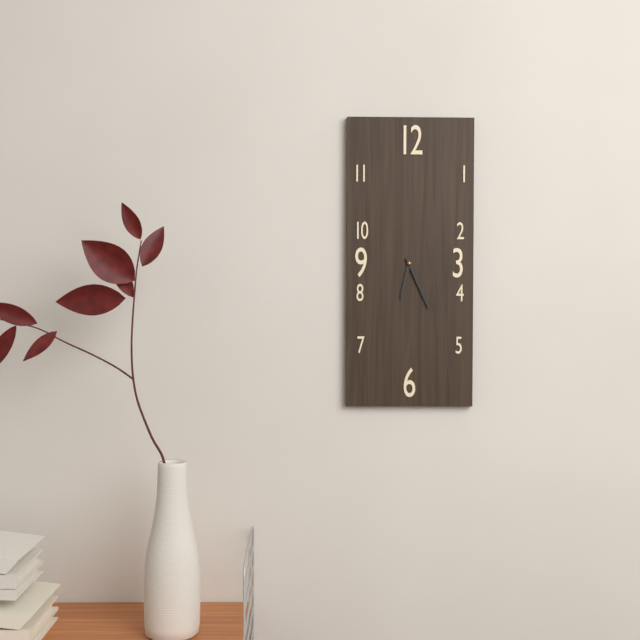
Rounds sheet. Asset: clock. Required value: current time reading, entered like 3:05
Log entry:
6:26
